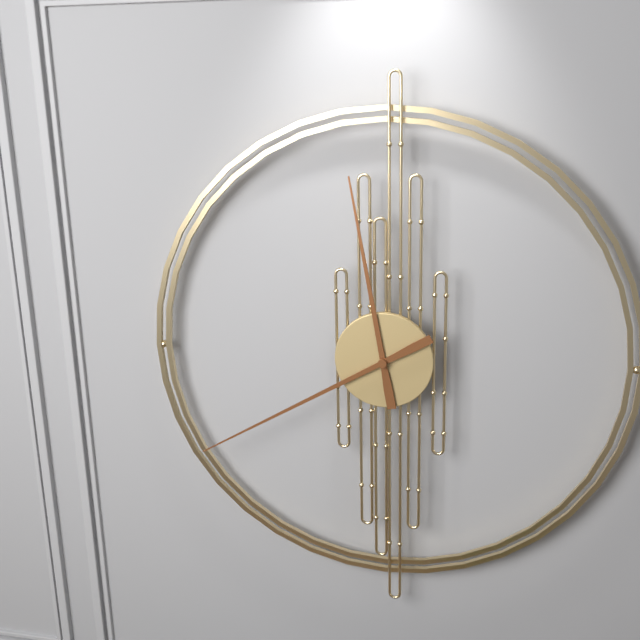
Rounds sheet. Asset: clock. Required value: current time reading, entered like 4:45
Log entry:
11:40
